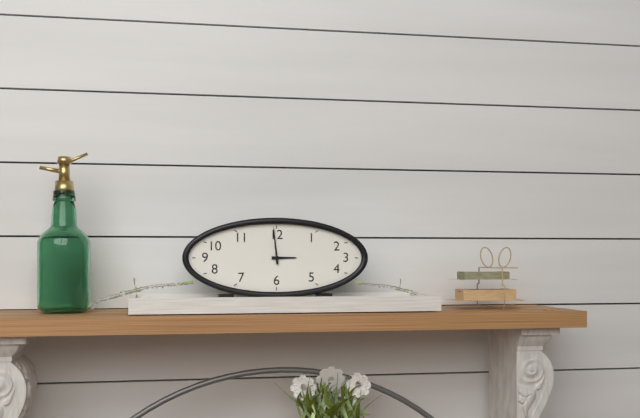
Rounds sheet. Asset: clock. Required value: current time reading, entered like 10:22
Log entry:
2:59
